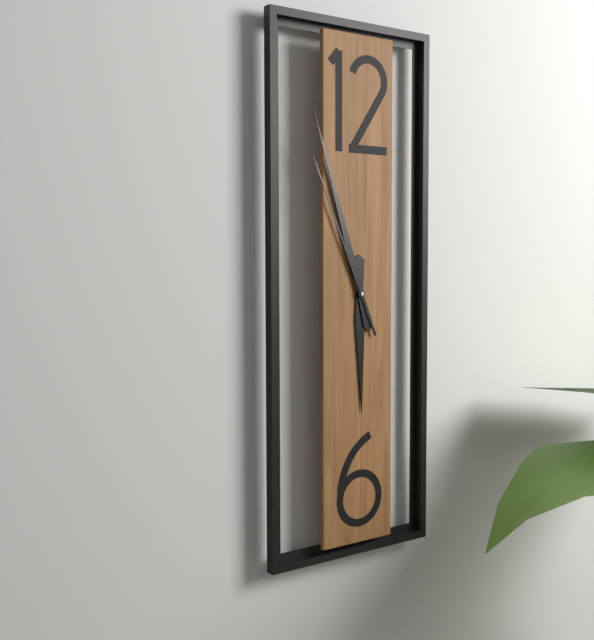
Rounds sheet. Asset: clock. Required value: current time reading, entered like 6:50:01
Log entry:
5:57:56
